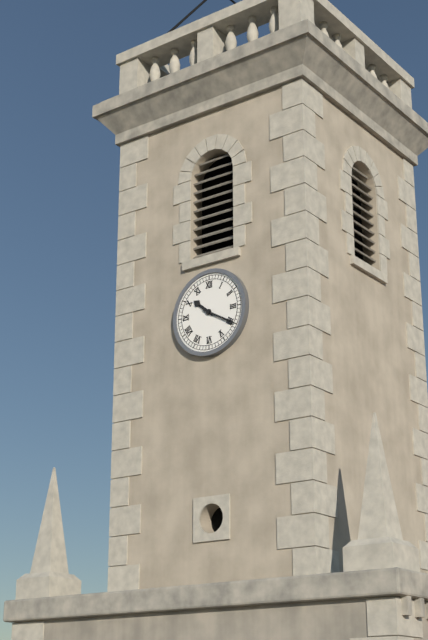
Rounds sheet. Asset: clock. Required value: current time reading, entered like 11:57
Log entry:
10:20
